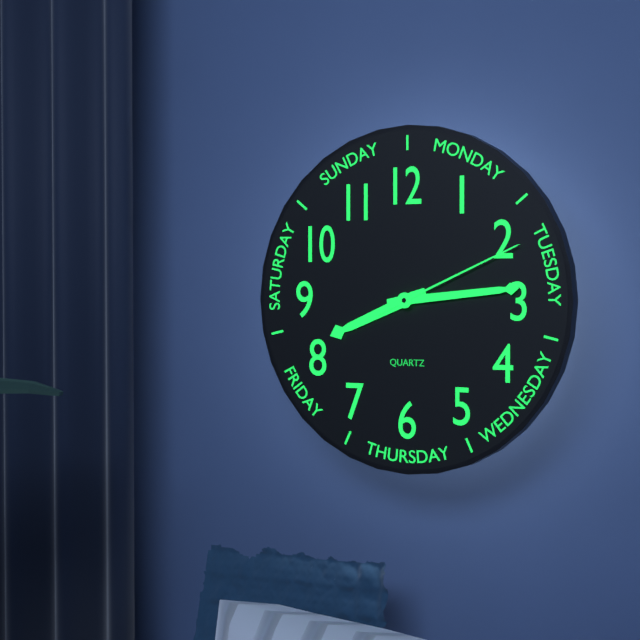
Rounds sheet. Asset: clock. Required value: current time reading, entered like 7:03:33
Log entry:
8:14:11
